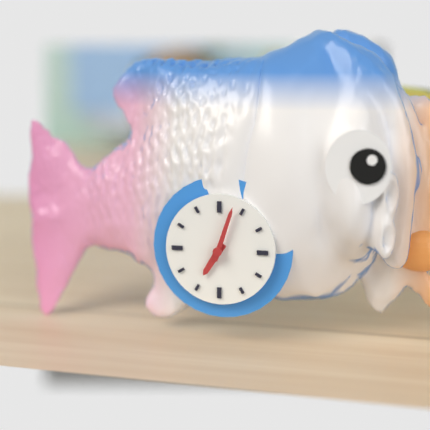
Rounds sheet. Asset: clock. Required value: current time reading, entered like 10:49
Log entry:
7:03
